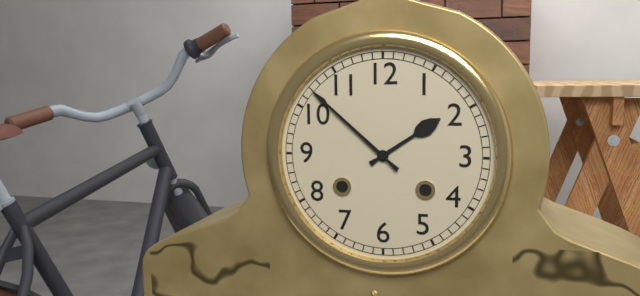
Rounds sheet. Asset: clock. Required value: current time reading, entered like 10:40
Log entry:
1:52
